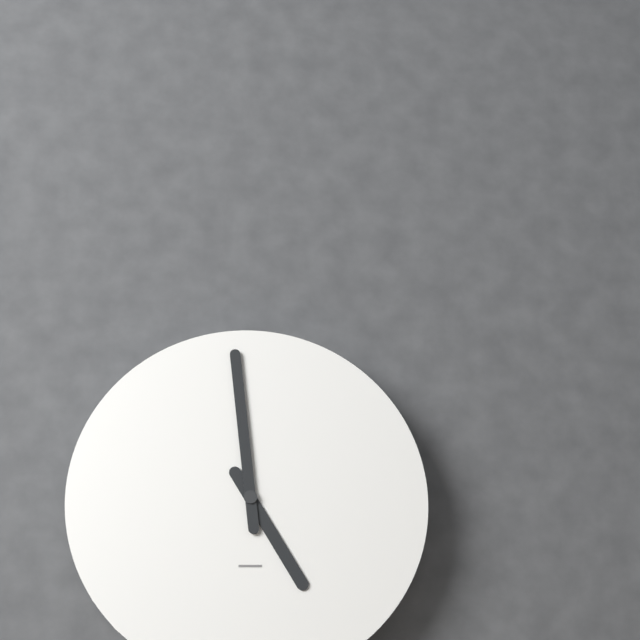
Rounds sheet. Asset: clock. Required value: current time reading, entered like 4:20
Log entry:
4:59
